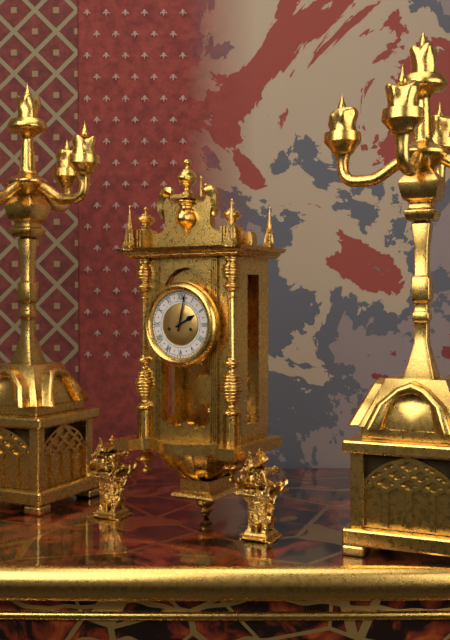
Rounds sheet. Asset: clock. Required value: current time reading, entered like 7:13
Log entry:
2:02
